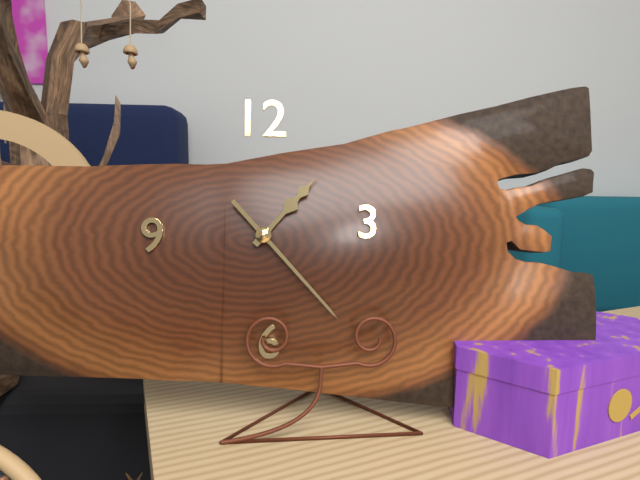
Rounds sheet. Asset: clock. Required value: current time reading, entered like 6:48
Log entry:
1:23
